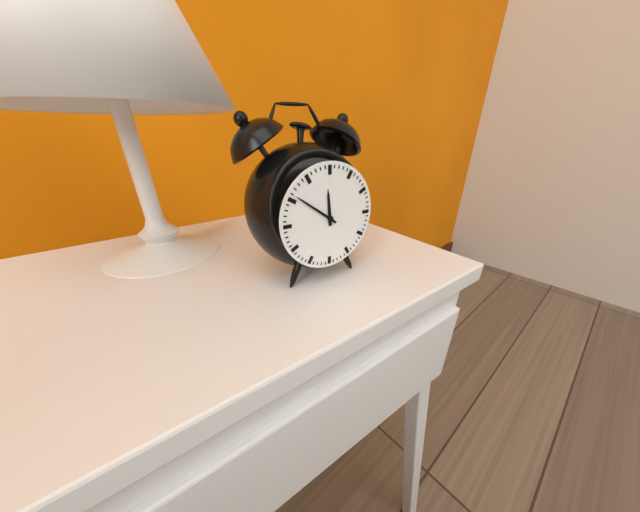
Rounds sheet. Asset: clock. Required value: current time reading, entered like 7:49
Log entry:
11:51
